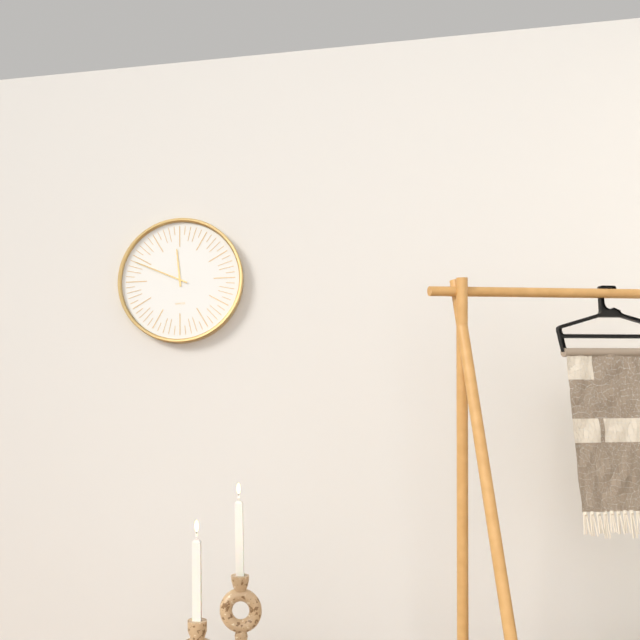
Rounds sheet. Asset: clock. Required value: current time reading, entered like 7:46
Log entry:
11:49
